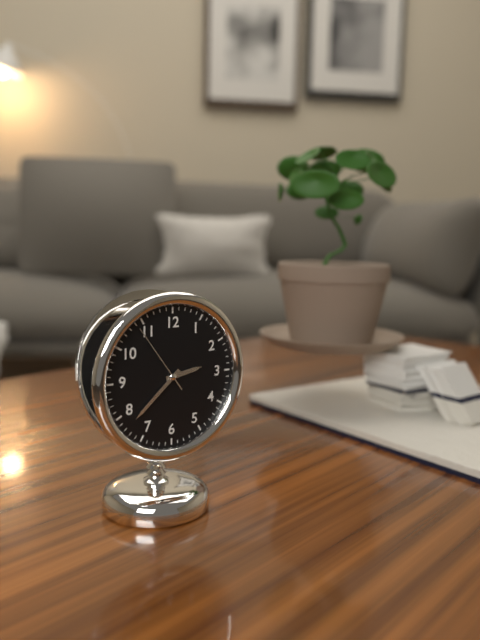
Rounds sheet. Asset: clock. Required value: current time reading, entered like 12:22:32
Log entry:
2:38:54
